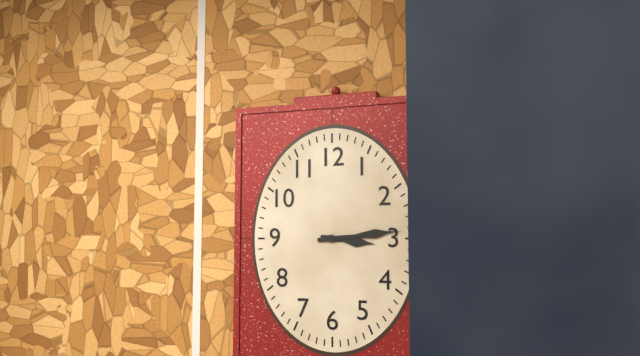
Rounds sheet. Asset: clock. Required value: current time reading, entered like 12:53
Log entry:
3:14
